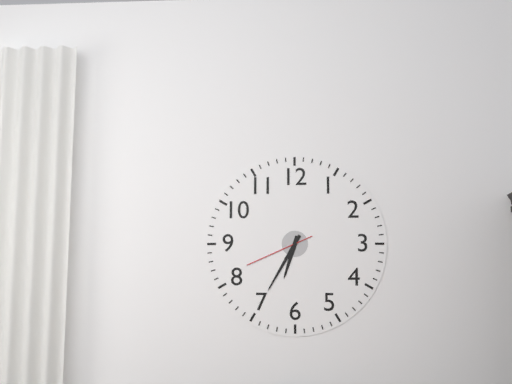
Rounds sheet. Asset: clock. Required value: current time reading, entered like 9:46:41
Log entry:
6:35:41
